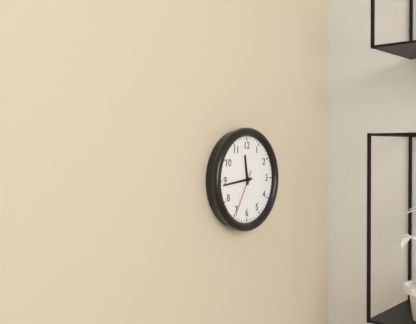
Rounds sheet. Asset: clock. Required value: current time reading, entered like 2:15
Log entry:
11:44
